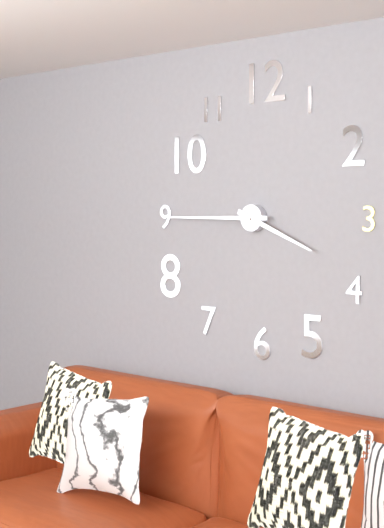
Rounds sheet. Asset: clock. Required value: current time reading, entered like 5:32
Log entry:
3:45
